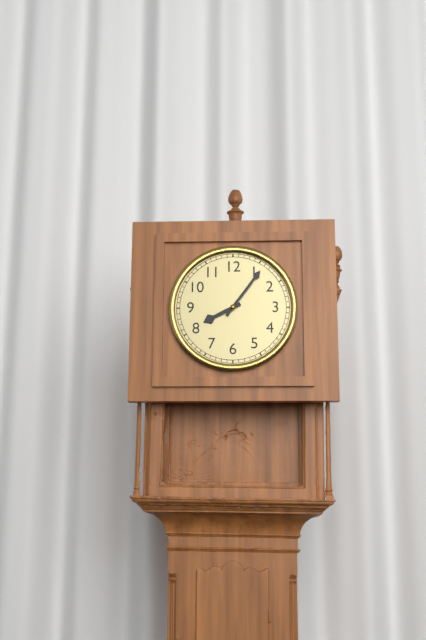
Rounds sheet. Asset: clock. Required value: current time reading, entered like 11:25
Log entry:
8:06
